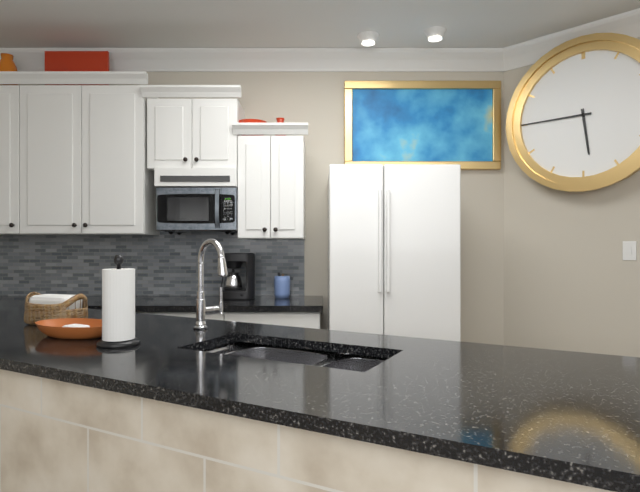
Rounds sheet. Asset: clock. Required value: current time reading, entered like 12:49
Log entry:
5:45
